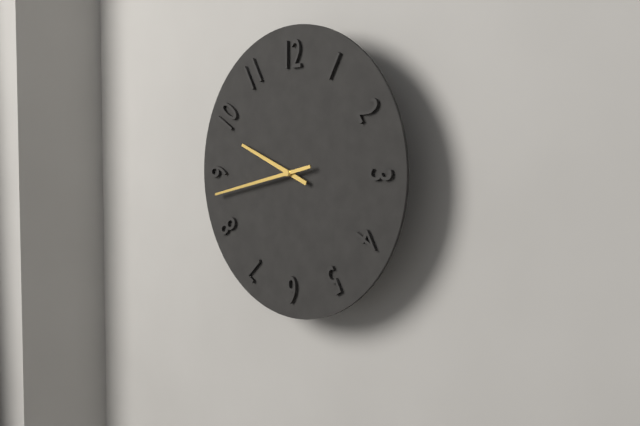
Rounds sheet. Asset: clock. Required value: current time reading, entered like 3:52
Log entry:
9:43
